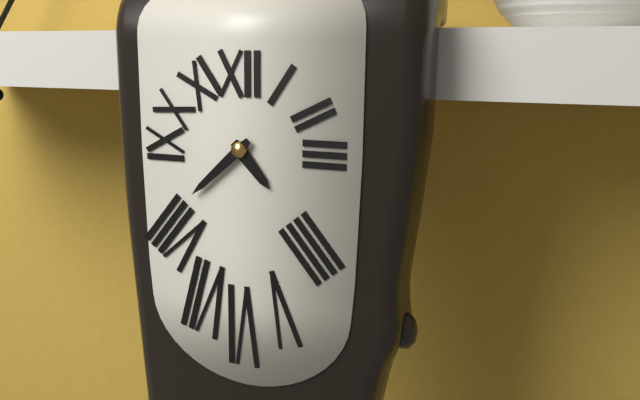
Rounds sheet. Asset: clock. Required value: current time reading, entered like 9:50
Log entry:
4:38
